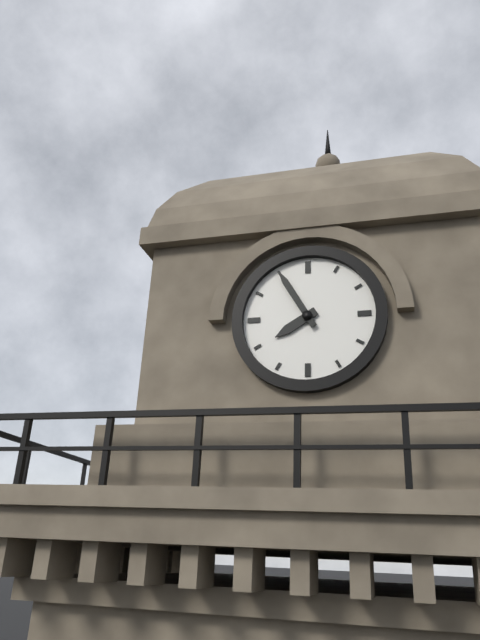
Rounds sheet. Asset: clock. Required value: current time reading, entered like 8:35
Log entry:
7:55
